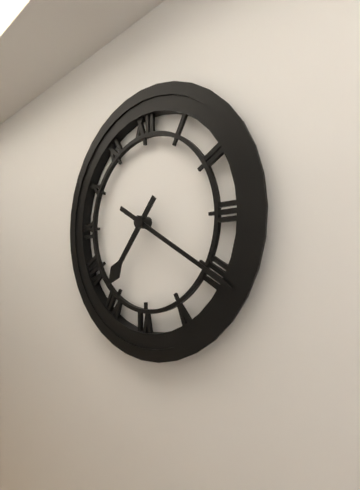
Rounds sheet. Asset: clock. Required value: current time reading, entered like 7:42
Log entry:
7:20
